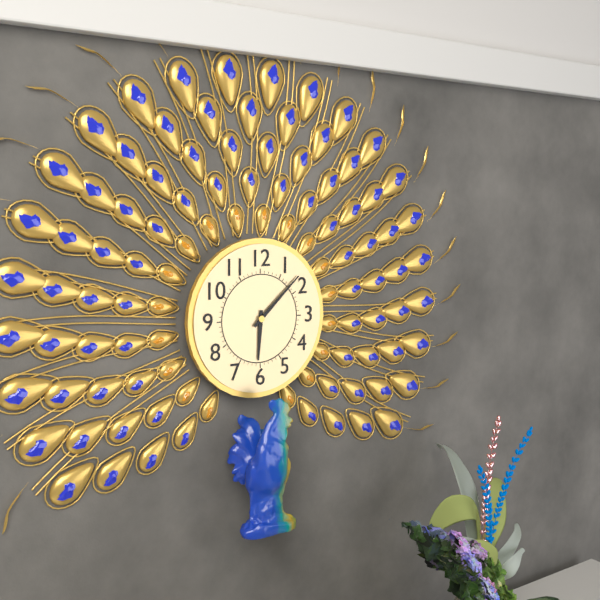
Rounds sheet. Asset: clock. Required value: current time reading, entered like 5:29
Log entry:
6:08
